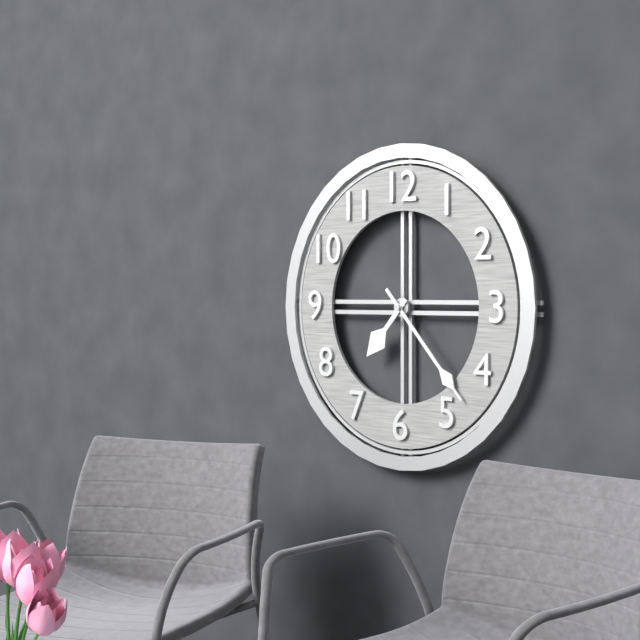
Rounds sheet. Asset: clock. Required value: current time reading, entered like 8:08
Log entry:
7:23
